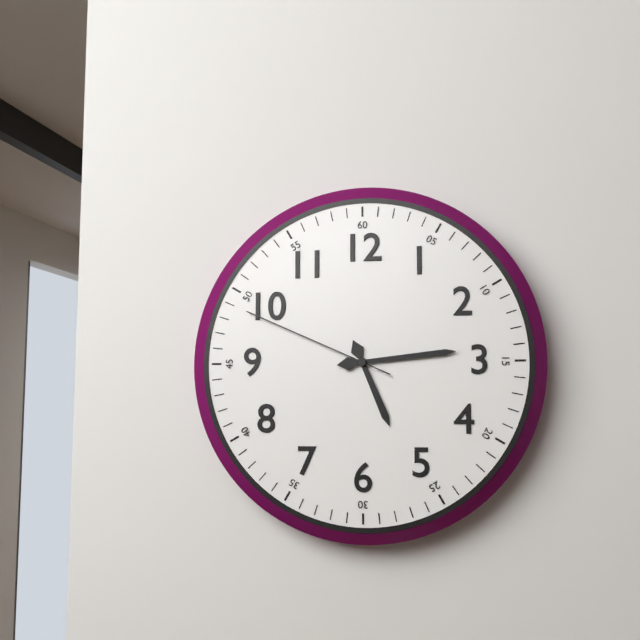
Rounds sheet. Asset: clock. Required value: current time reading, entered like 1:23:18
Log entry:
5:14:49
